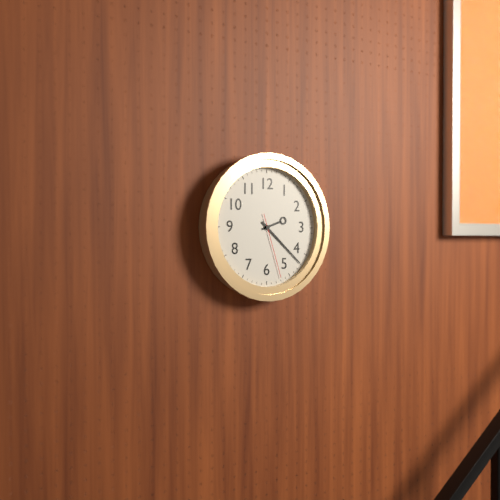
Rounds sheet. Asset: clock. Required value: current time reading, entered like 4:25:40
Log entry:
2:22:27
